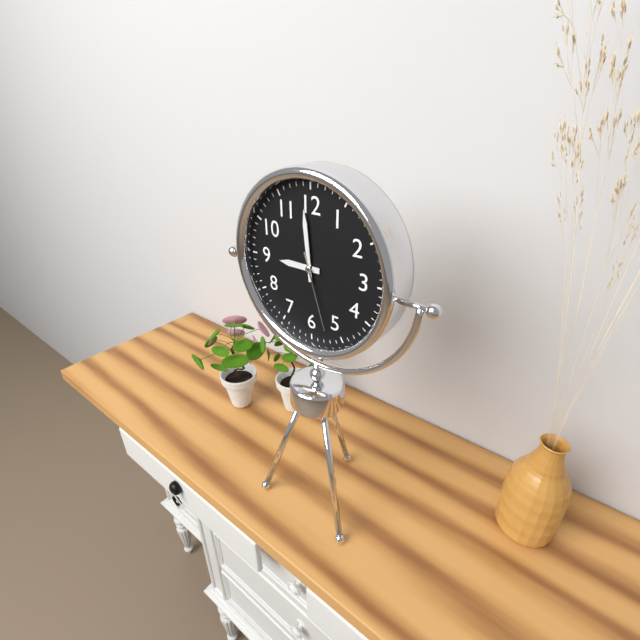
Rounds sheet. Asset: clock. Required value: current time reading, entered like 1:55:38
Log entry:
8:59:27
